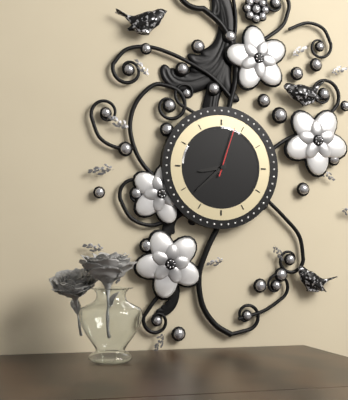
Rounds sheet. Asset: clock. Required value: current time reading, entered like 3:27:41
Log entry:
8:38:03
